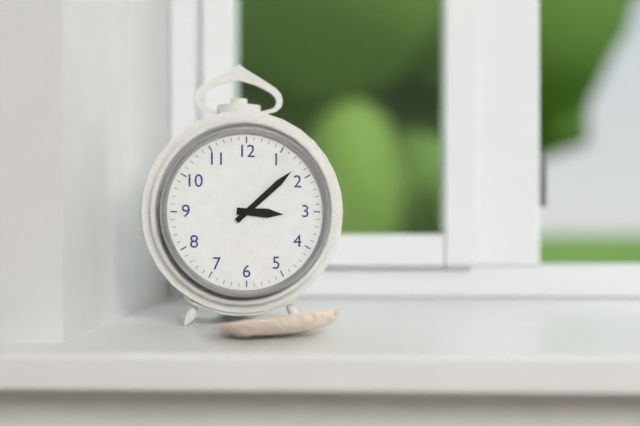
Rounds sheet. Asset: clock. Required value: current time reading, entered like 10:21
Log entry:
3:08
